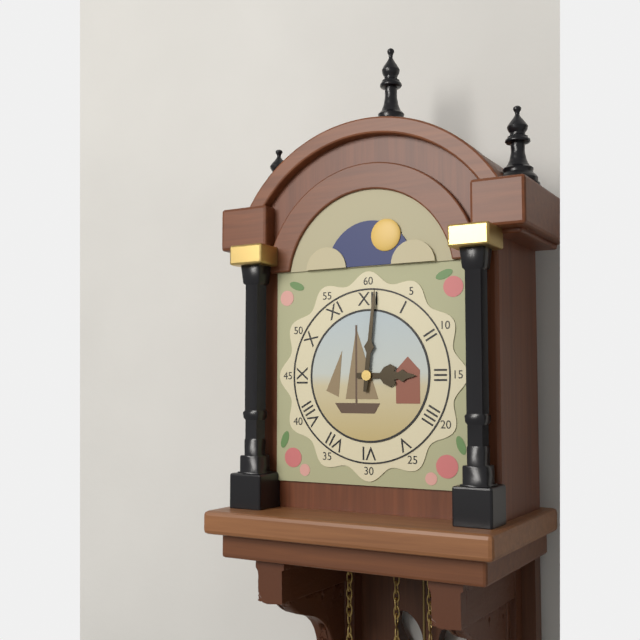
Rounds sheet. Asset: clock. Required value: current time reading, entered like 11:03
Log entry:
3:01
